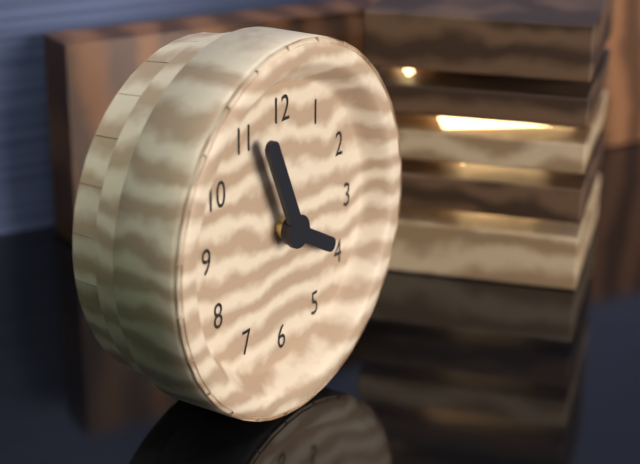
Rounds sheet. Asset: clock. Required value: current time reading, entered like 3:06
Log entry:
3:56
